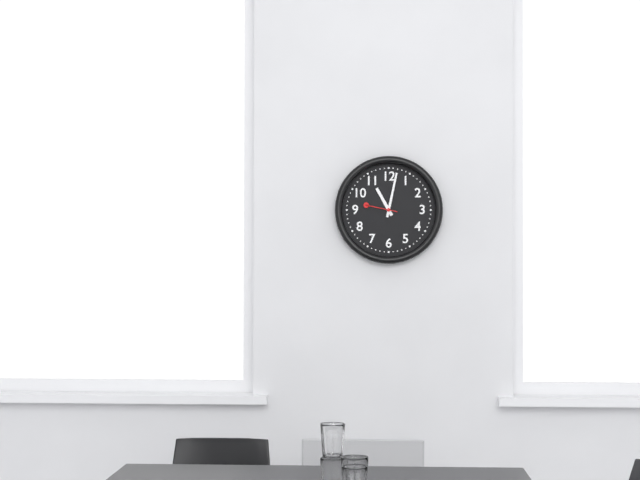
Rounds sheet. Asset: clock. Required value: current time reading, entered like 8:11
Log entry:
11:02
